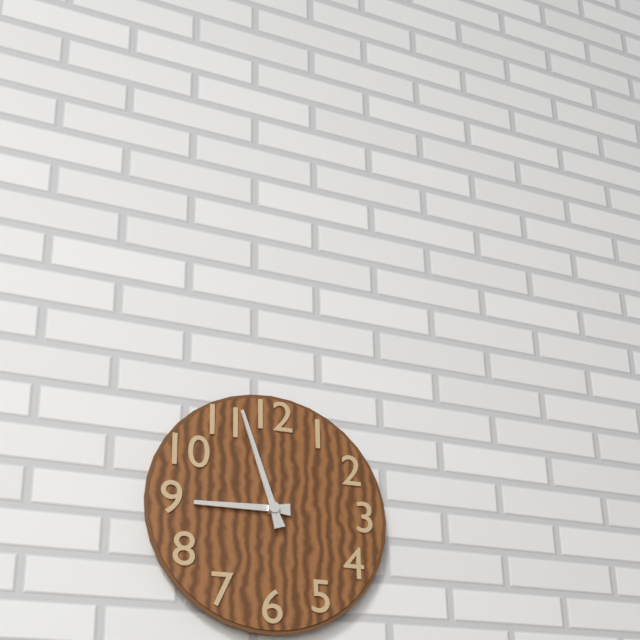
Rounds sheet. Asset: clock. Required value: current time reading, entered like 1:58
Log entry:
8:57
